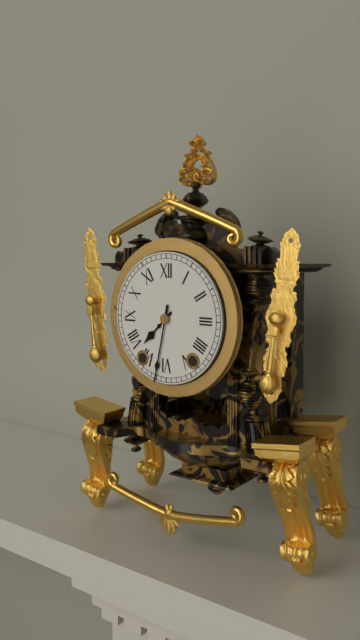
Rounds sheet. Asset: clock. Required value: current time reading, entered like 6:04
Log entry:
7:32
